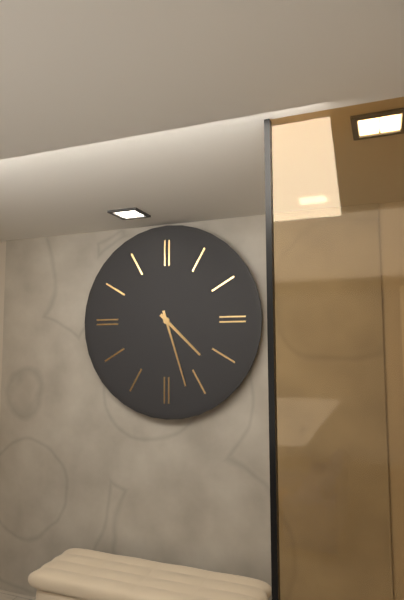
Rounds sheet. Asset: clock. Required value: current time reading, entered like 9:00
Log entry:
4:27
